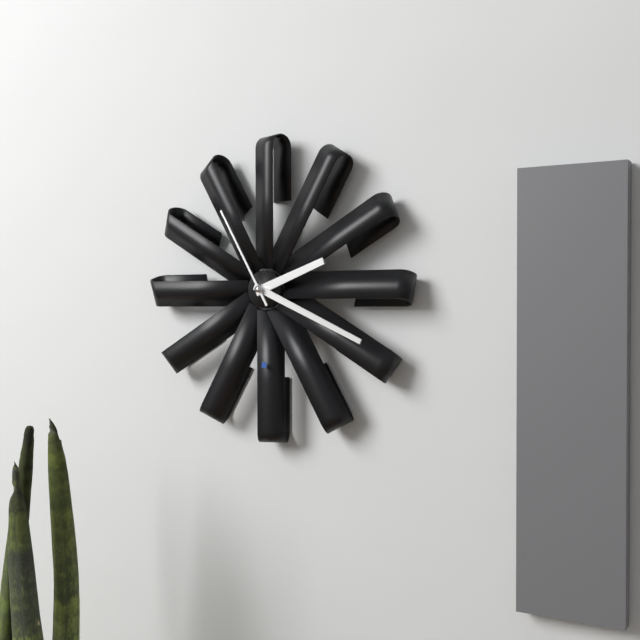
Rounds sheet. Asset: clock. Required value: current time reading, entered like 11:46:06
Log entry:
2:19:55
